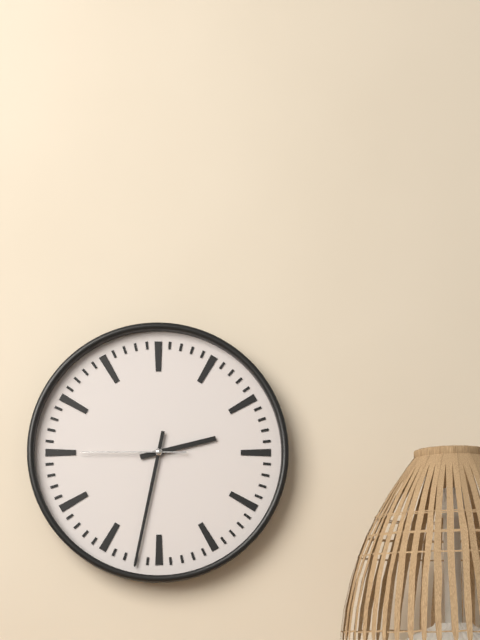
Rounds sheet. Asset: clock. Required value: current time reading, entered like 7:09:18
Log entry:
2:32:45
